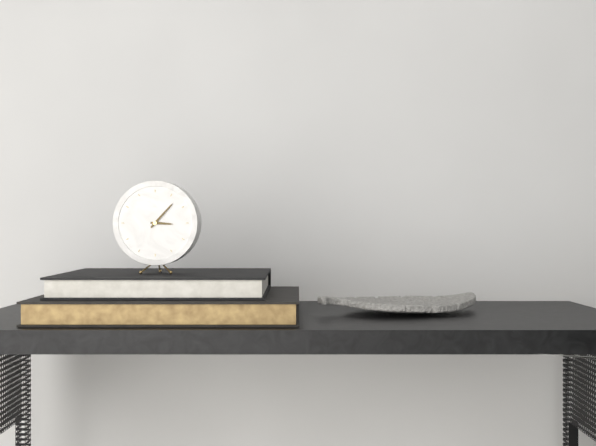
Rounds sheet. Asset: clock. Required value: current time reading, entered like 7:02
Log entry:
3:07
